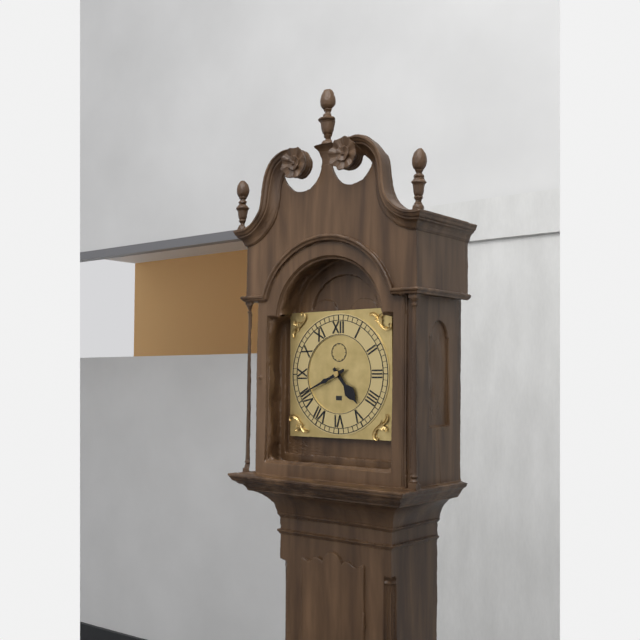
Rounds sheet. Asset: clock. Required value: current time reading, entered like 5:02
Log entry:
4:41
